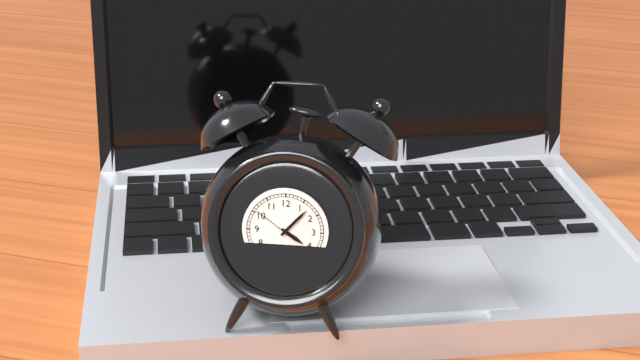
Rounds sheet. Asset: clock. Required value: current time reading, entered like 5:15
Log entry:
4:07
